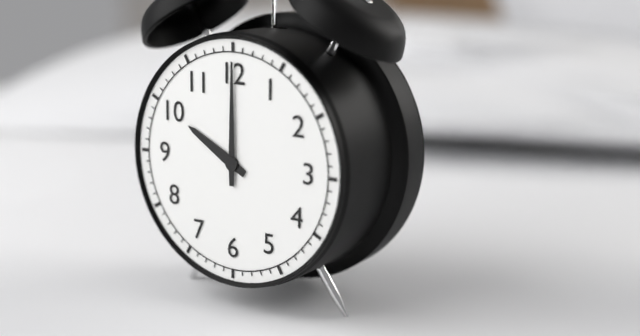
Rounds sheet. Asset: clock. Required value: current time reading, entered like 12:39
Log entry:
10:00
